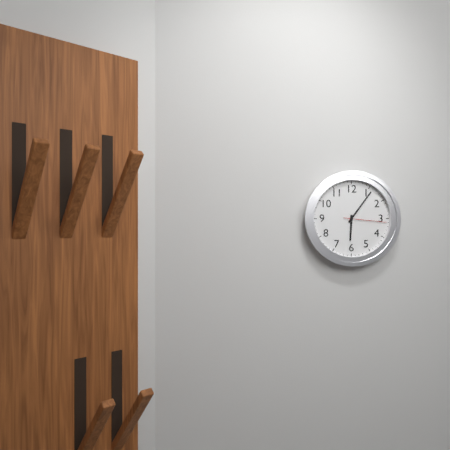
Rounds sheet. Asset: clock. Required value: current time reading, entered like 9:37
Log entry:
6:06
